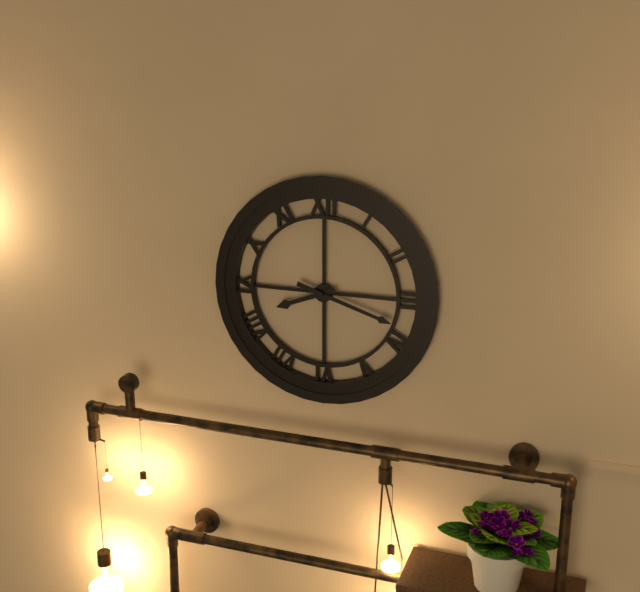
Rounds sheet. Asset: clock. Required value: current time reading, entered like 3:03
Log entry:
8:18
